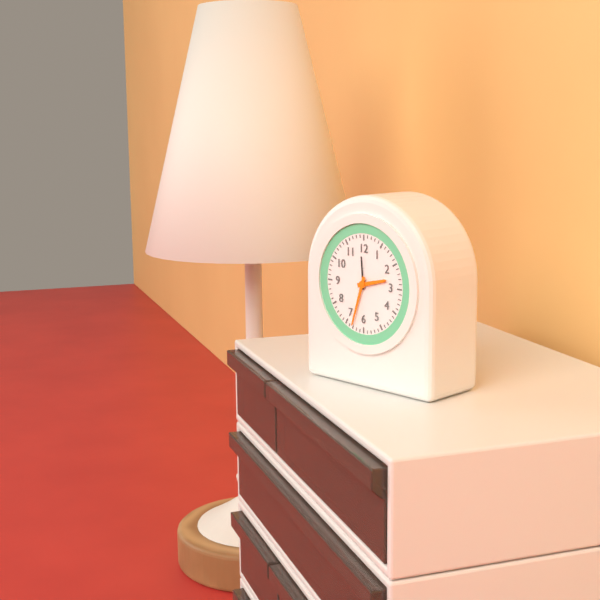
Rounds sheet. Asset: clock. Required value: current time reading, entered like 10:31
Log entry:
2:33
